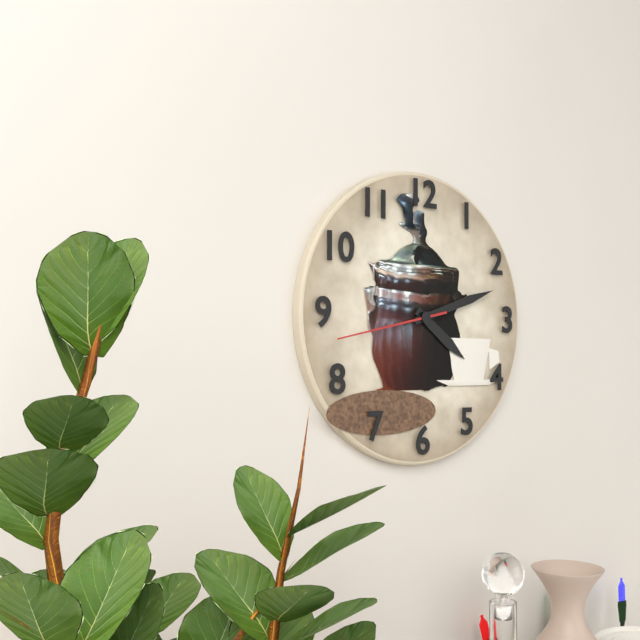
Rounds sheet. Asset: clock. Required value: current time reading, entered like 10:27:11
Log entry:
4:12:43
